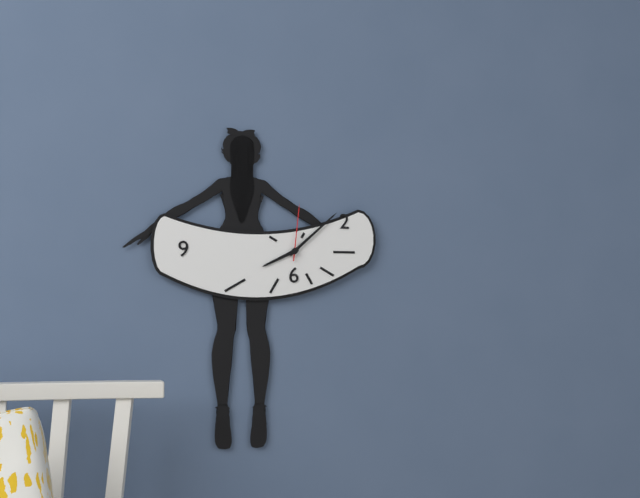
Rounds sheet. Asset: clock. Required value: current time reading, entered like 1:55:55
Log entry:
8:08:01
